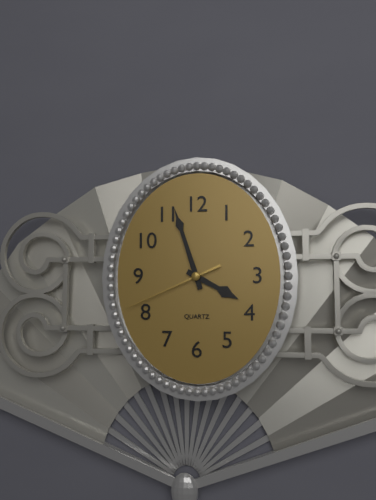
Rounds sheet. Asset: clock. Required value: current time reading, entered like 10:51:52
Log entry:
3:57:41
